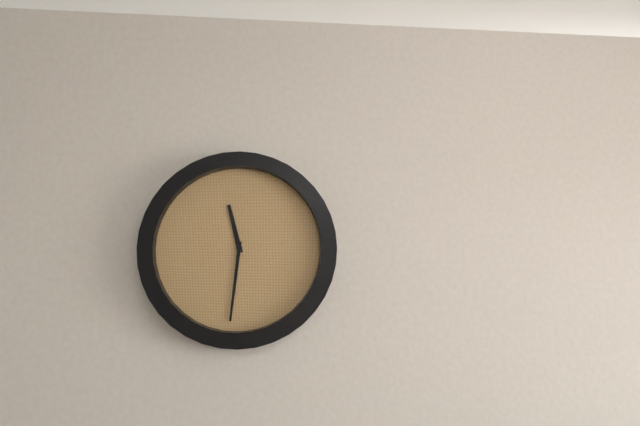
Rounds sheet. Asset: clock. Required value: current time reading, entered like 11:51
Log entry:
11:31
